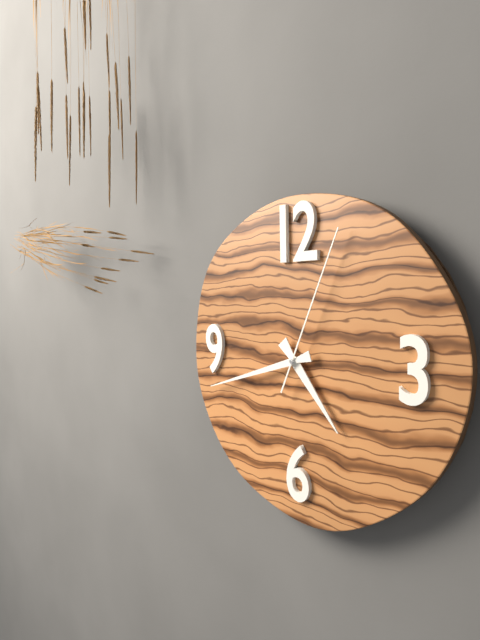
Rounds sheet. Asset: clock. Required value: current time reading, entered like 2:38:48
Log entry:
4:42:04
